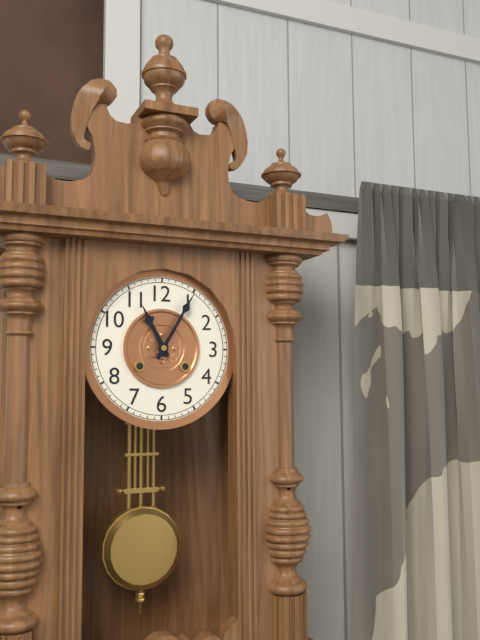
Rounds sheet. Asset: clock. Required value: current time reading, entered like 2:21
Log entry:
11:05
